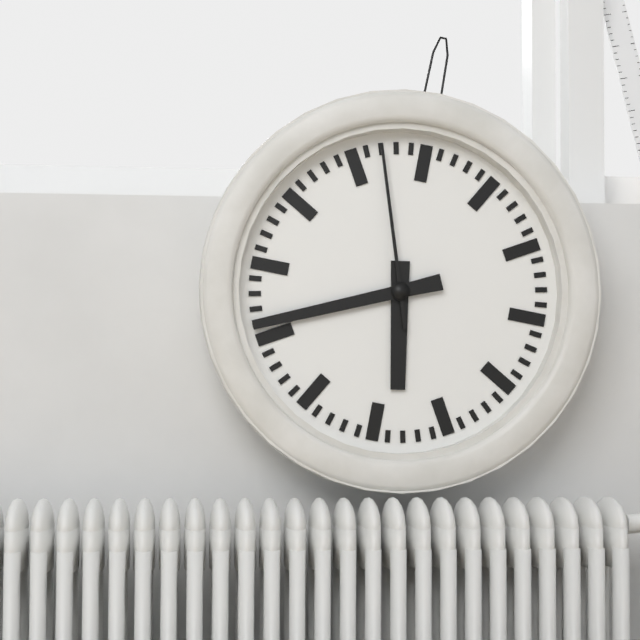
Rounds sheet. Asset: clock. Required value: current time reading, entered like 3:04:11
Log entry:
5:41:57
